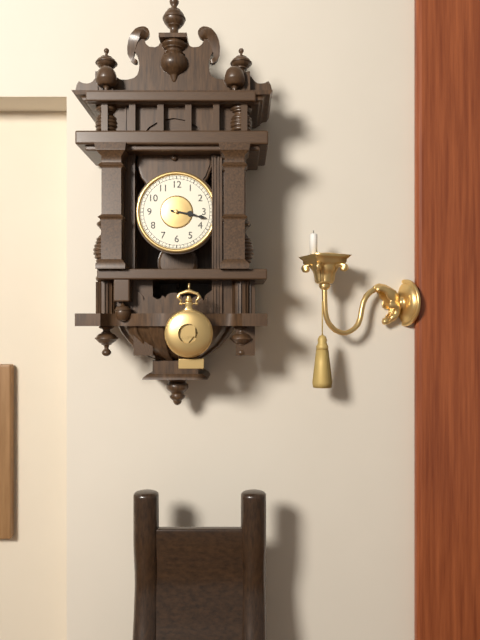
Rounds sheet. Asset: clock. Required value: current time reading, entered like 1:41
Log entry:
3:17
